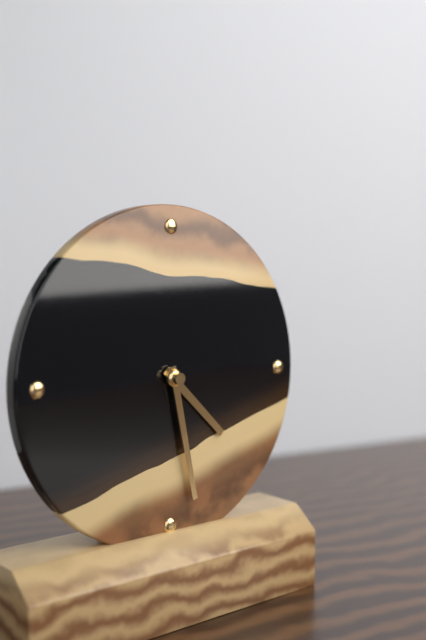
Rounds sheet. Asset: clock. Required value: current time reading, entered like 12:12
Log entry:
4:28
